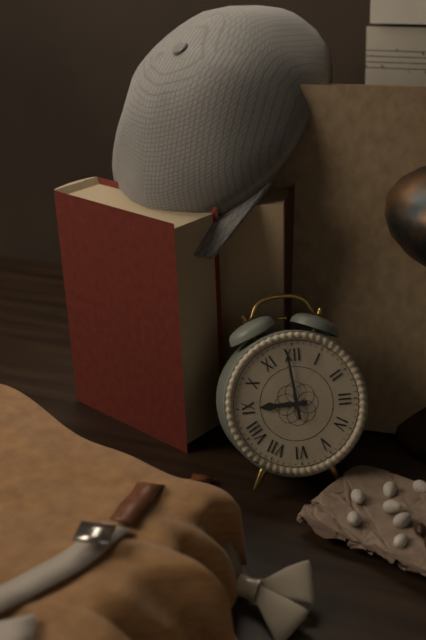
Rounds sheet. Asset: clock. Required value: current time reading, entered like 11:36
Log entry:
8:59
